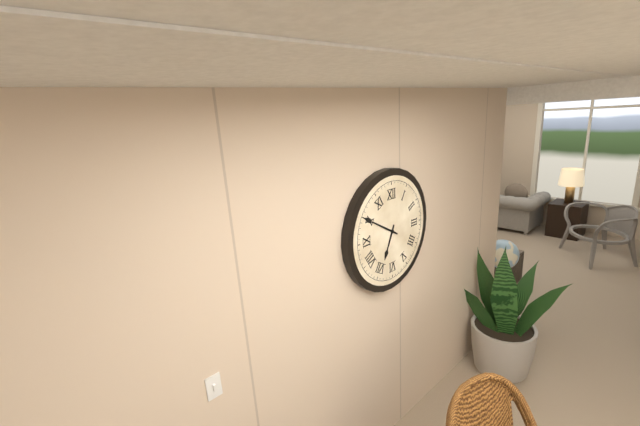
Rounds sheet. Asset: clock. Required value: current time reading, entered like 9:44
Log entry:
6:50
